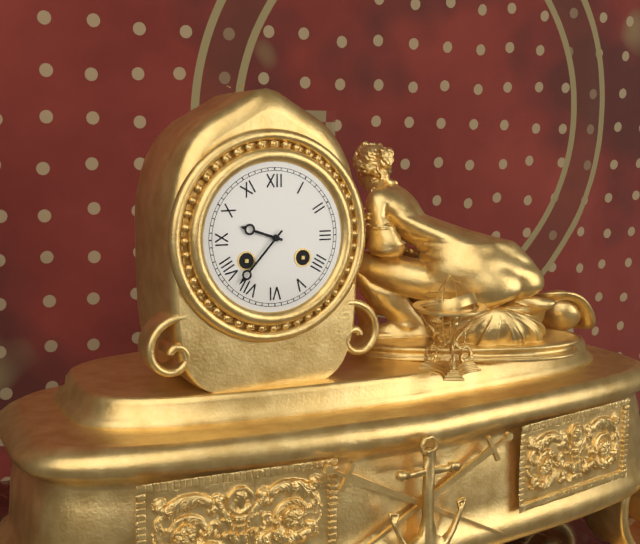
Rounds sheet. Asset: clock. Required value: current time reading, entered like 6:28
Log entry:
9:37
